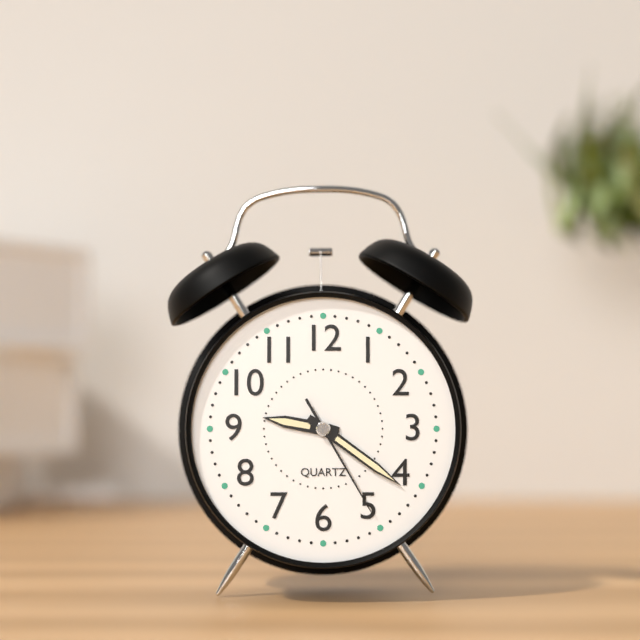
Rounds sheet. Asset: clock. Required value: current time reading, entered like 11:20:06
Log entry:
9:21:25
